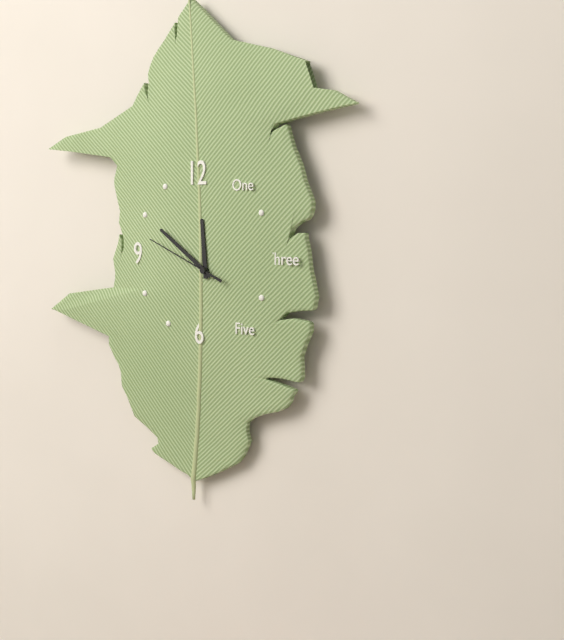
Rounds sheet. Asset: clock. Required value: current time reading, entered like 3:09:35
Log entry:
11:51:49
